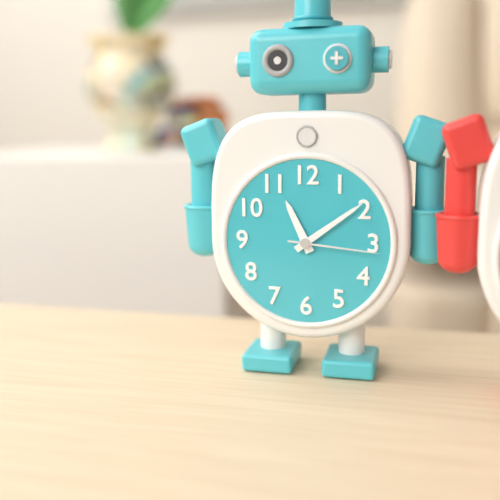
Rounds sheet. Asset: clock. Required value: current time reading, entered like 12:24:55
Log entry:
11:09:16
